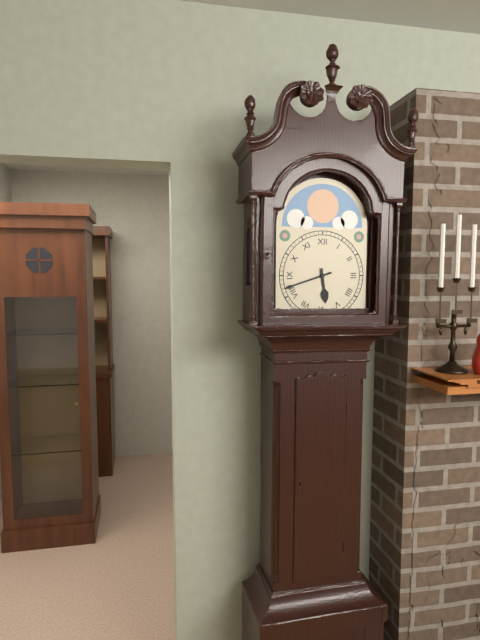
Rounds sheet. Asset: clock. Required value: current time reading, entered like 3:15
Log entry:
5:42
